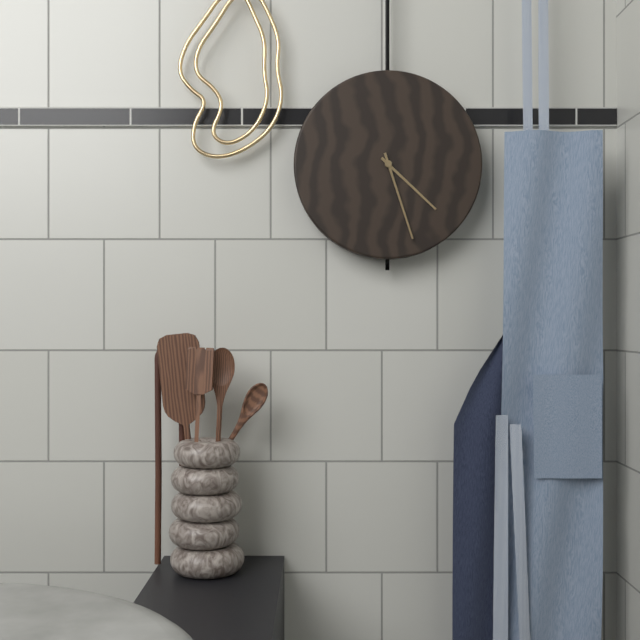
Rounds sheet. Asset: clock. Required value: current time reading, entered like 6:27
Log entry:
4:27
